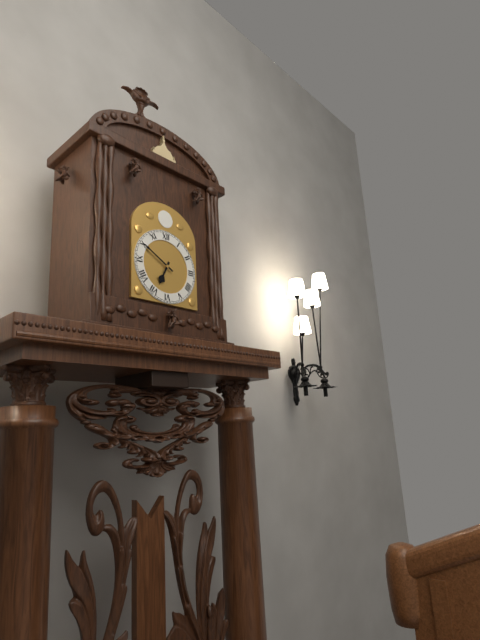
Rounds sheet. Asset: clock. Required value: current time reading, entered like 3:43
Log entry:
6:50
